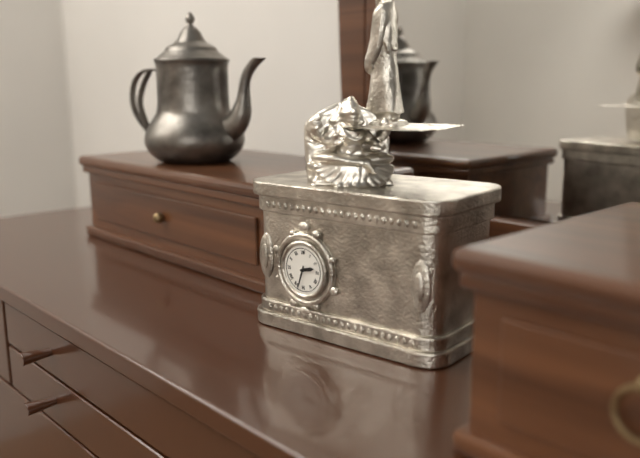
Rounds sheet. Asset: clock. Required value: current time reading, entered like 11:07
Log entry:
2:33
